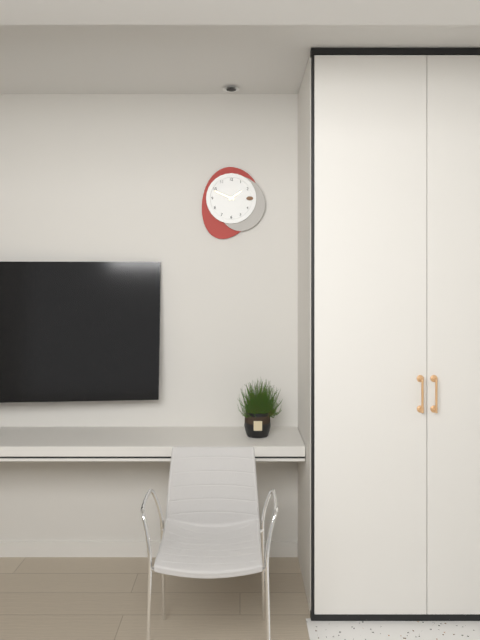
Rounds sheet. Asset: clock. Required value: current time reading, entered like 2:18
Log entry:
1:49
